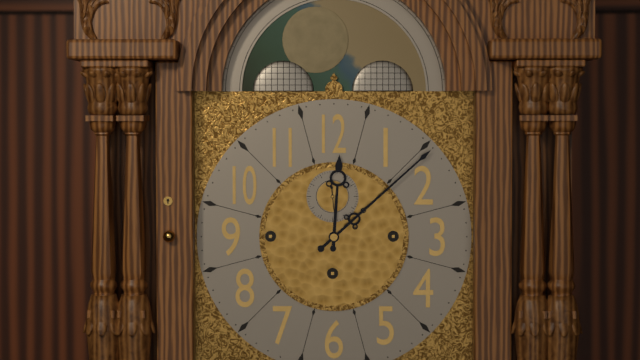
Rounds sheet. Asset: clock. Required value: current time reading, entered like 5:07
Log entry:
12:08
